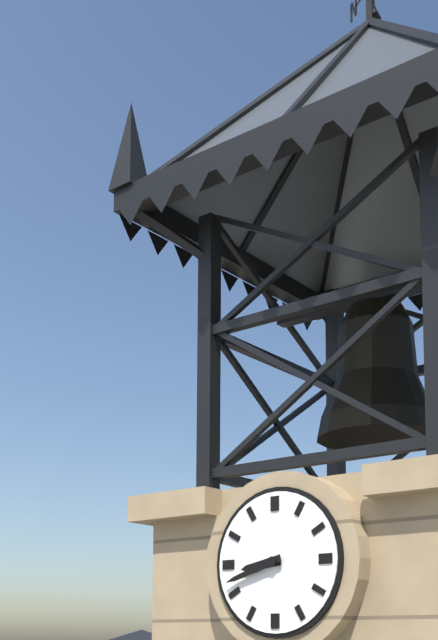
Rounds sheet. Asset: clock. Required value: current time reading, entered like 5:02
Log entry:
8:42
